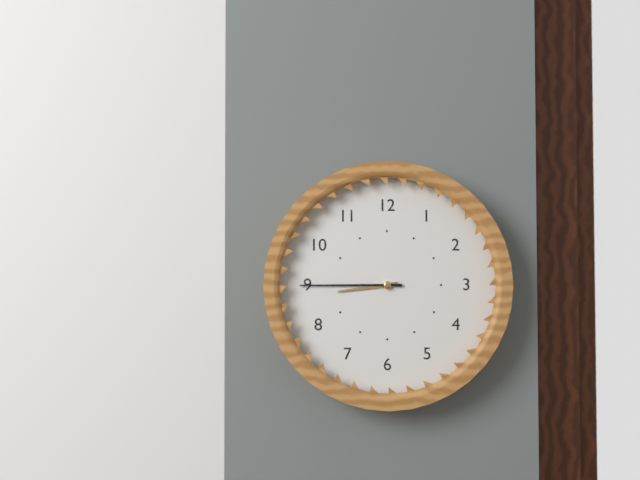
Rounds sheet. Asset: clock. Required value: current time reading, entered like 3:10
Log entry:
8:45
